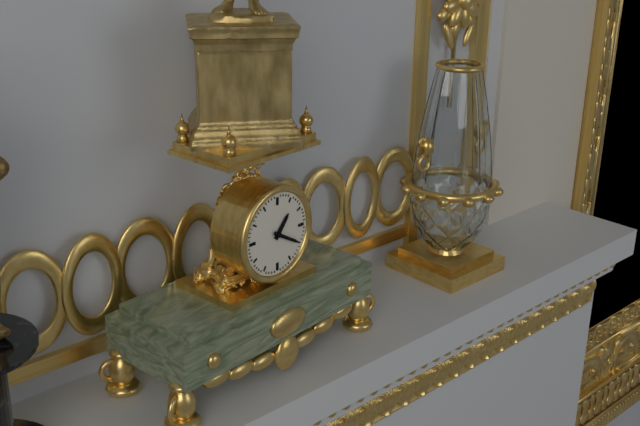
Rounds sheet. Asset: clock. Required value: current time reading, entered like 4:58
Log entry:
1:20
